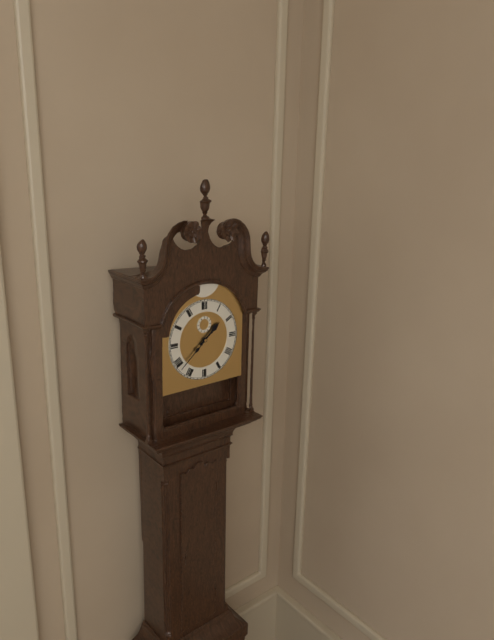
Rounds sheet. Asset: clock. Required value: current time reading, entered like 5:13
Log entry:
1:38
